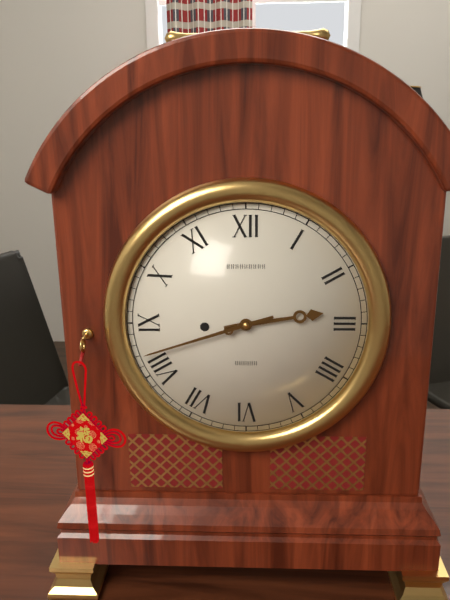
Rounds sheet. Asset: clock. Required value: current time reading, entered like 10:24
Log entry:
2:42
